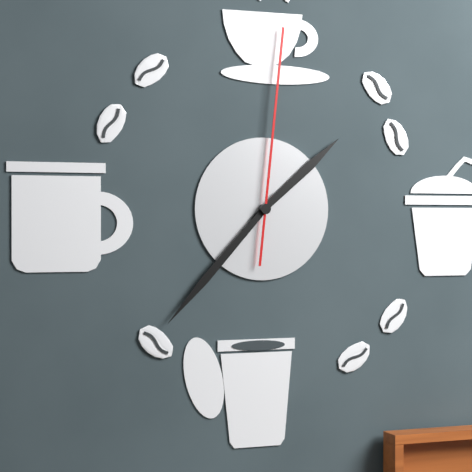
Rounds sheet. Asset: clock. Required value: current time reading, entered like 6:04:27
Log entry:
1:37:01
